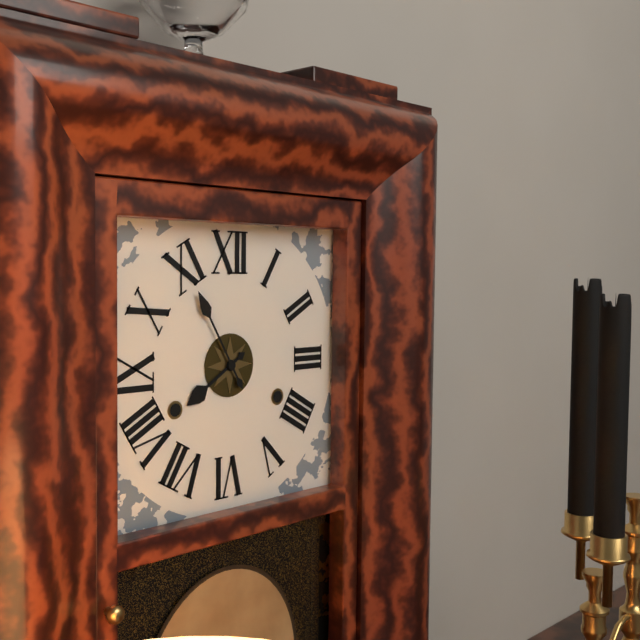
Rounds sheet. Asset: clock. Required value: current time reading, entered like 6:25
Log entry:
7:55
